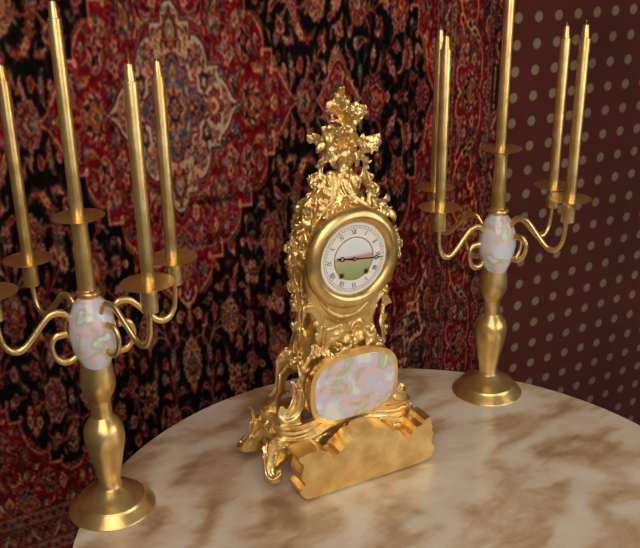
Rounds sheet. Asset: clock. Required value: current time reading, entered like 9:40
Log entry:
9:16
